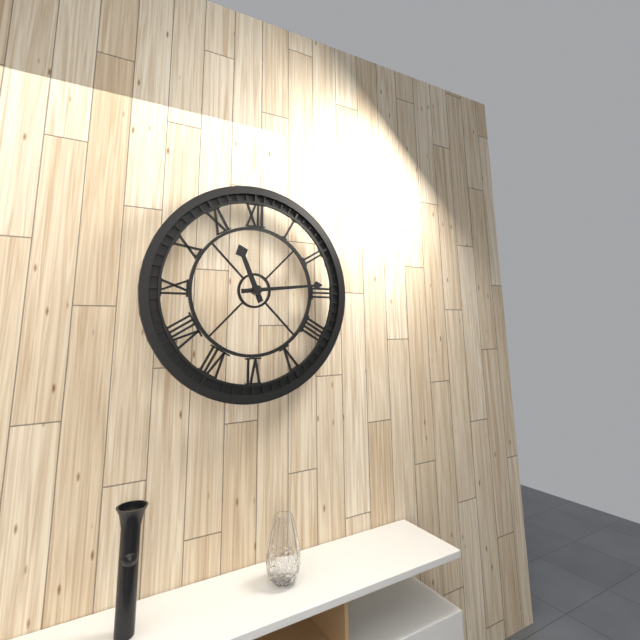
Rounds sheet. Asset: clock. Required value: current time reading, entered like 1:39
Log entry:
11:14
